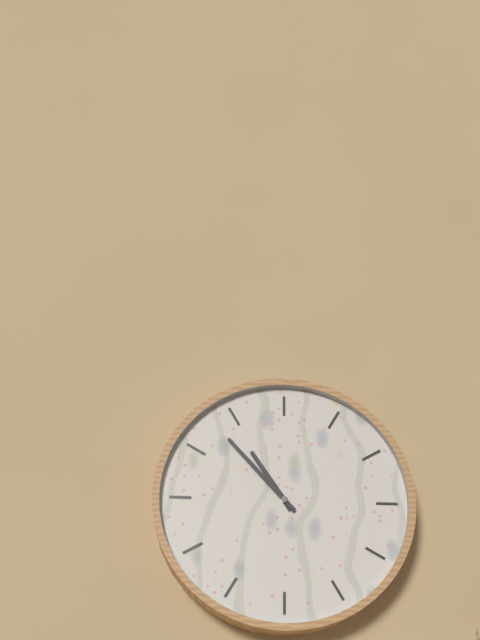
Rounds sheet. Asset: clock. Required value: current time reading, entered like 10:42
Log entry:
10:53
